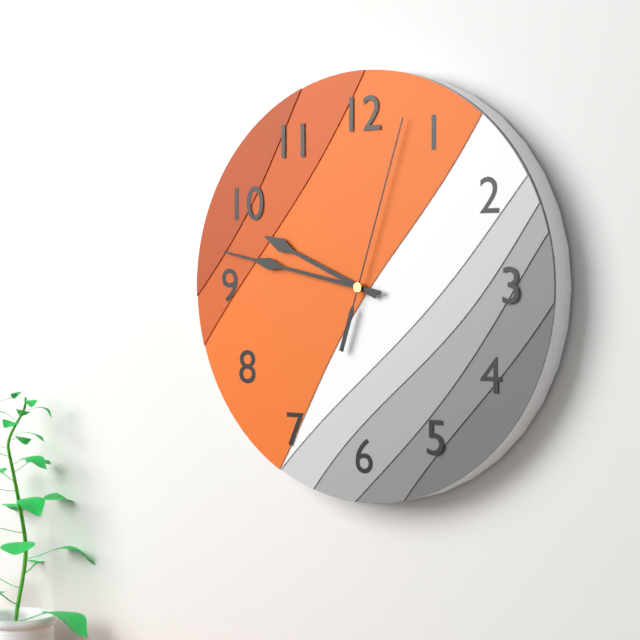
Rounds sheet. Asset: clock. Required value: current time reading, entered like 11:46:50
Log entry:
9:47:03
